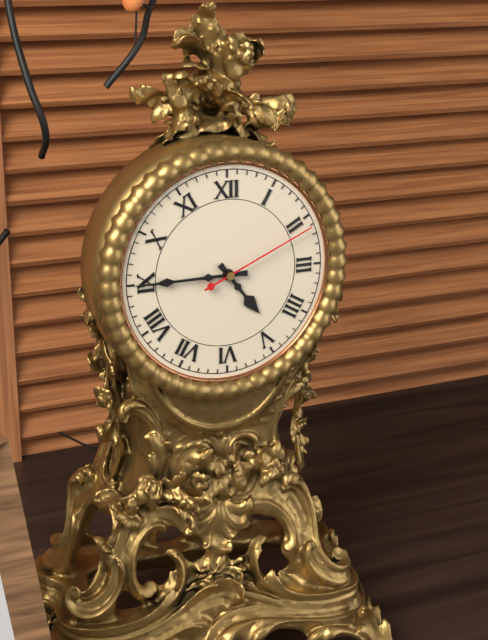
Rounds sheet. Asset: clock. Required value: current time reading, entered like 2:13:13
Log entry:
4:45:11
